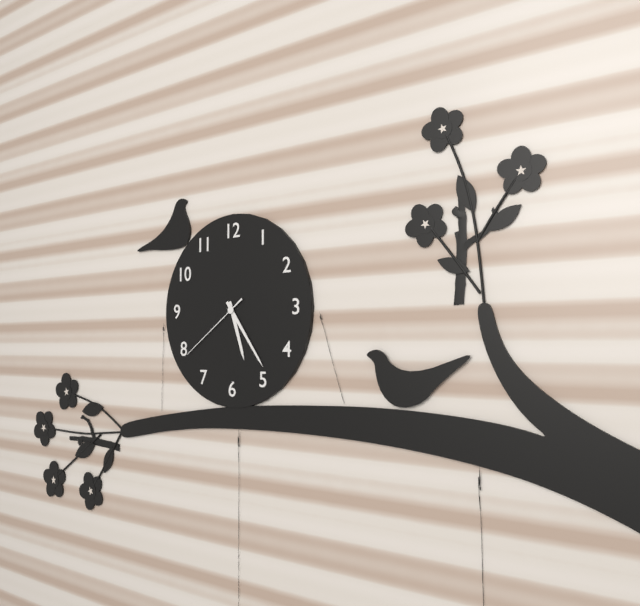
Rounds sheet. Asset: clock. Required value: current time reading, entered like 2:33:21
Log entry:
5:24:39
